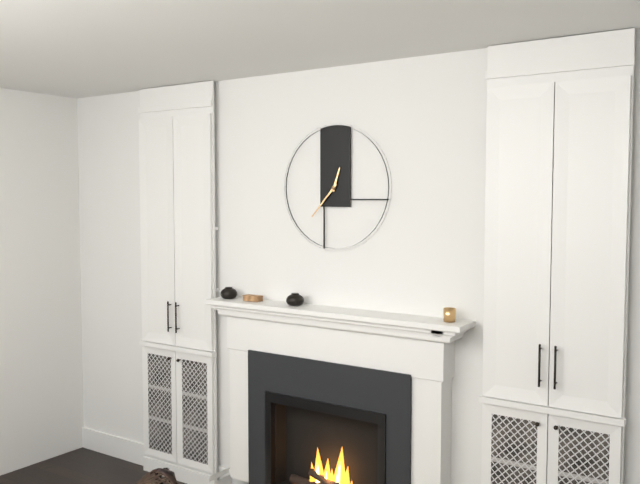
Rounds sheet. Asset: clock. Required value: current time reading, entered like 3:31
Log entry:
12:37
